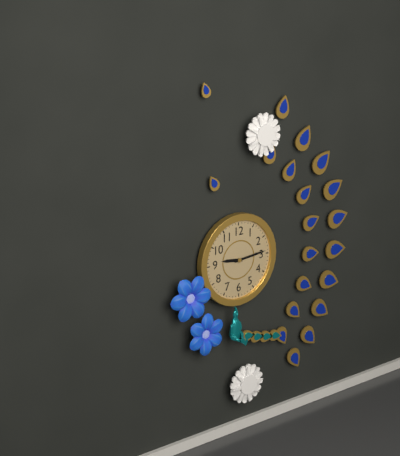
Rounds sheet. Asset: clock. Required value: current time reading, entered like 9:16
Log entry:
9:14
